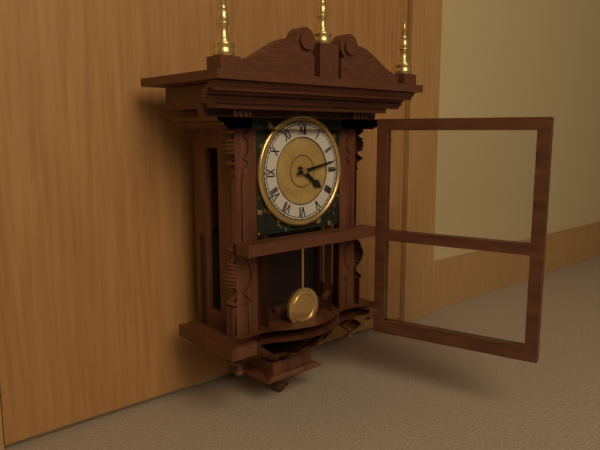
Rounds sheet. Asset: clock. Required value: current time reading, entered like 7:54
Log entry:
4:13
